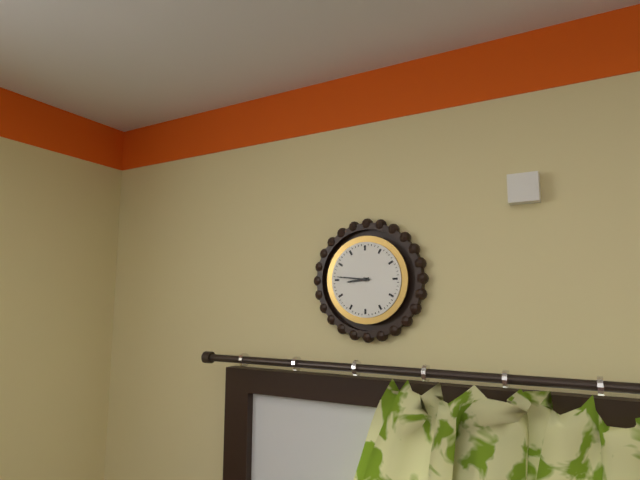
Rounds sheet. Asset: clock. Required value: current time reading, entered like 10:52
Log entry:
8:46
